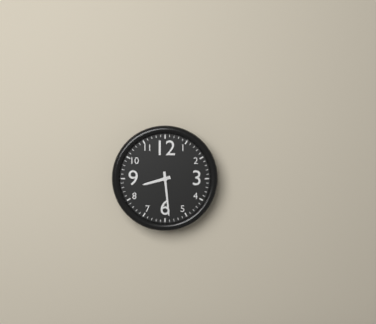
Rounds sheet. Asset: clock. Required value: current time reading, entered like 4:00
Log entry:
8:29
